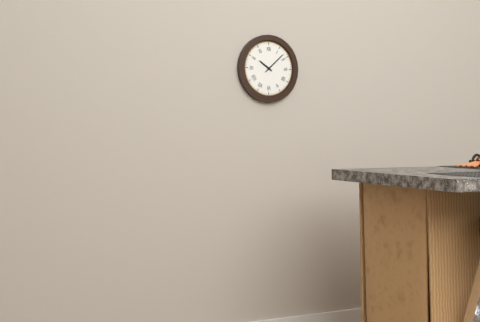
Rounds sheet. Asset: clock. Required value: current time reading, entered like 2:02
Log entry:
10:08
